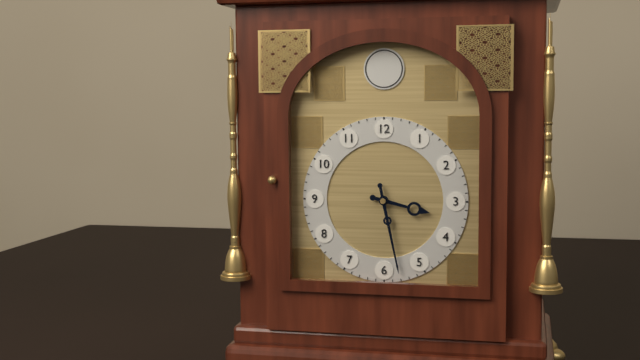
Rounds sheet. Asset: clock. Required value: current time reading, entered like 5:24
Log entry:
3:28
